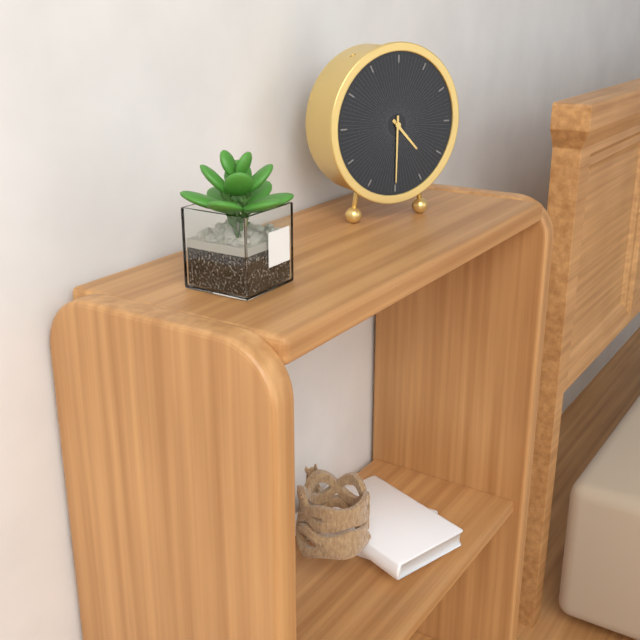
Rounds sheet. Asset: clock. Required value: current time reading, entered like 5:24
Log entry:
4:30
